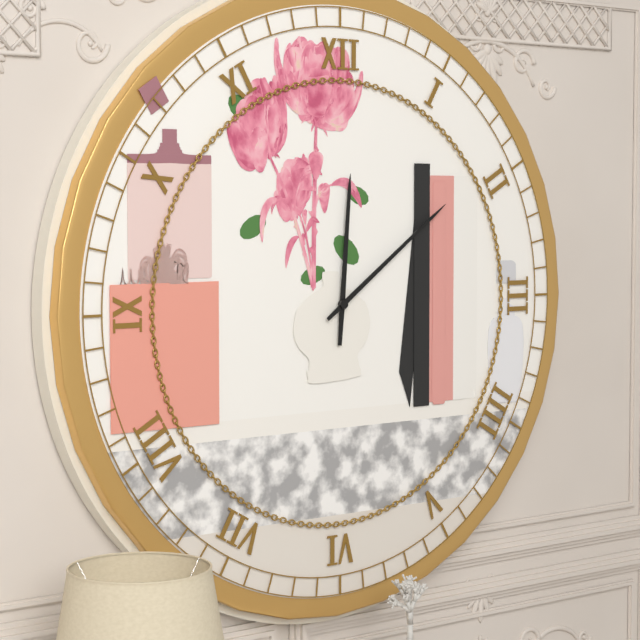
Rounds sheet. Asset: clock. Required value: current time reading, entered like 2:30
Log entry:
12:09
